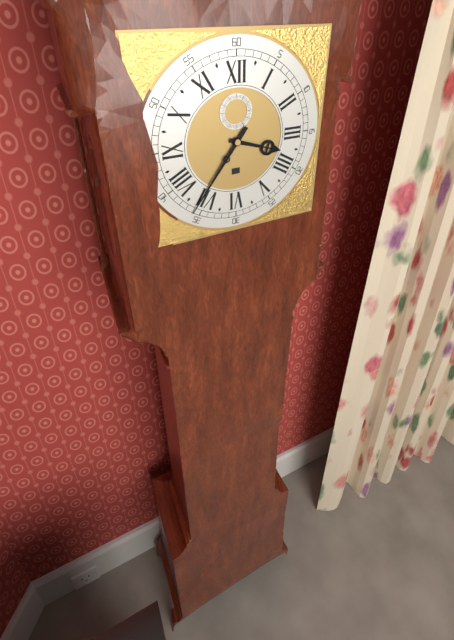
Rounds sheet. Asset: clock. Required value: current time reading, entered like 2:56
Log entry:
3:36
